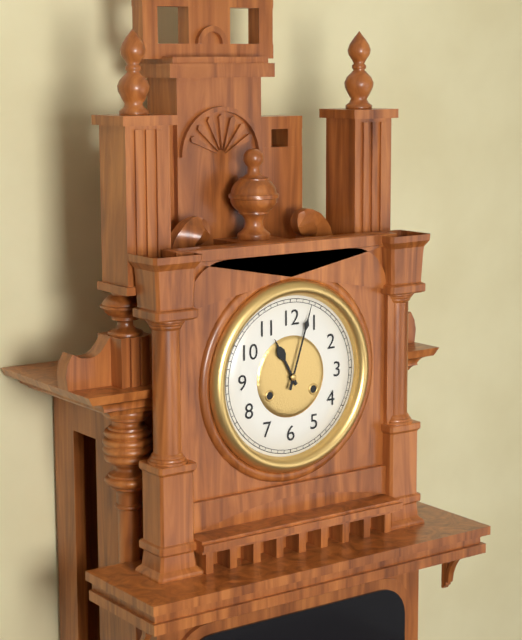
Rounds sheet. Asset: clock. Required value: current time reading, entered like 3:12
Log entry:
11:03
